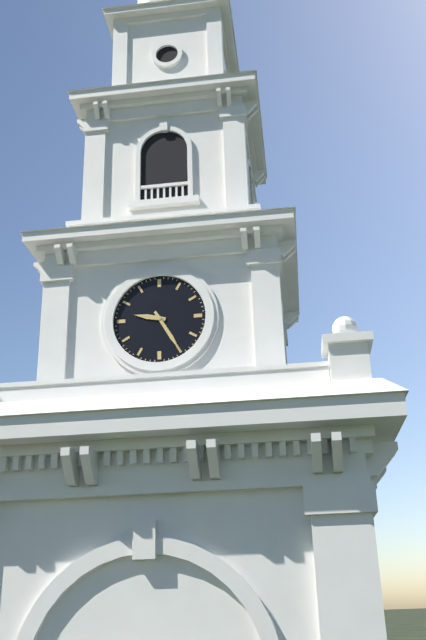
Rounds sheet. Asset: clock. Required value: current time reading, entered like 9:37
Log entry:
9:25
